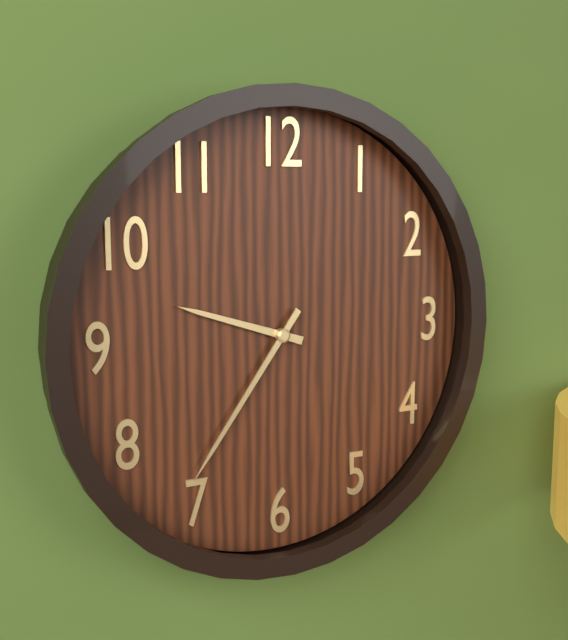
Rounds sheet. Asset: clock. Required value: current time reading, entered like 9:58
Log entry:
9:36
